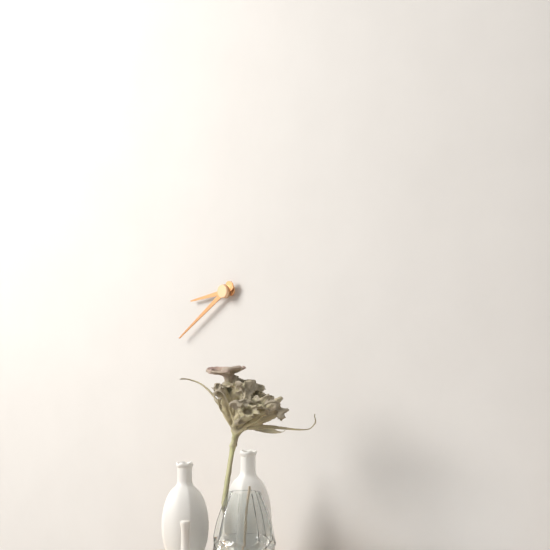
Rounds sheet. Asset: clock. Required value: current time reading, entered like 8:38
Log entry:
8:39
